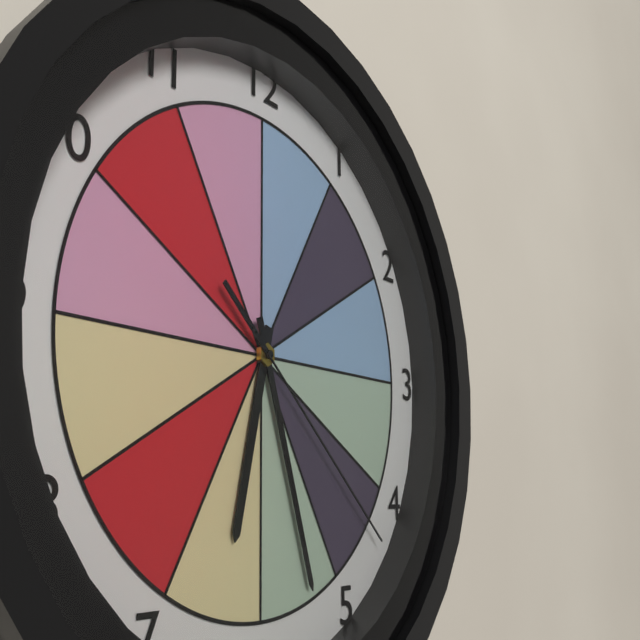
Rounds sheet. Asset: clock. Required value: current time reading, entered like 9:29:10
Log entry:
6:27:22
